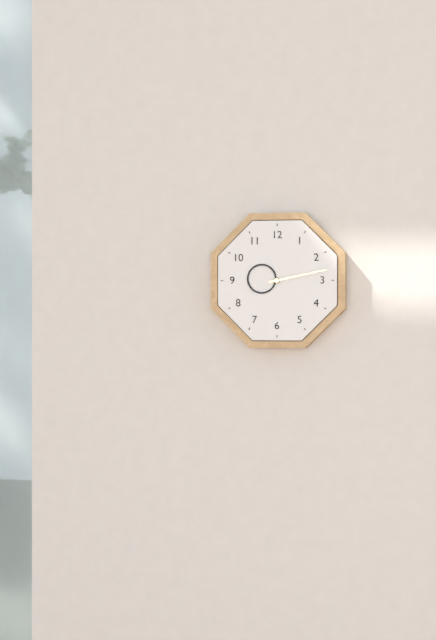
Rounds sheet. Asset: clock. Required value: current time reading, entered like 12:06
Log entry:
9:13
